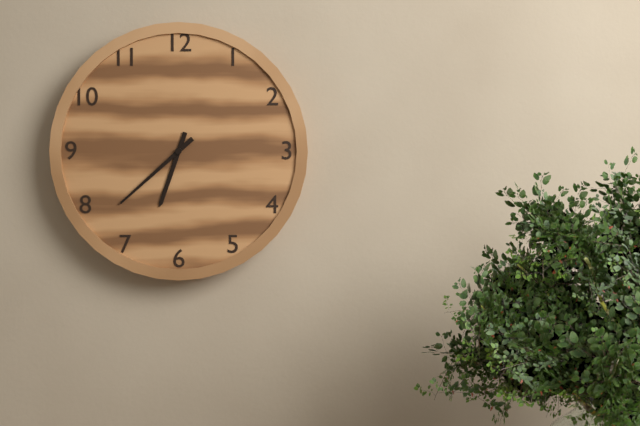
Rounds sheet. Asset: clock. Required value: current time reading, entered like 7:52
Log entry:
6:38
